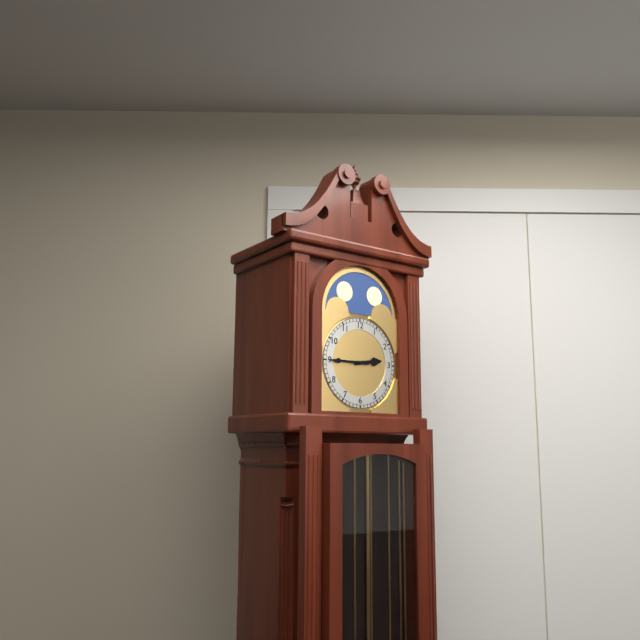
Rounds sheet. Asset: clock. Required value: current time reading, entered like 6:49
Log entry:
2:45
